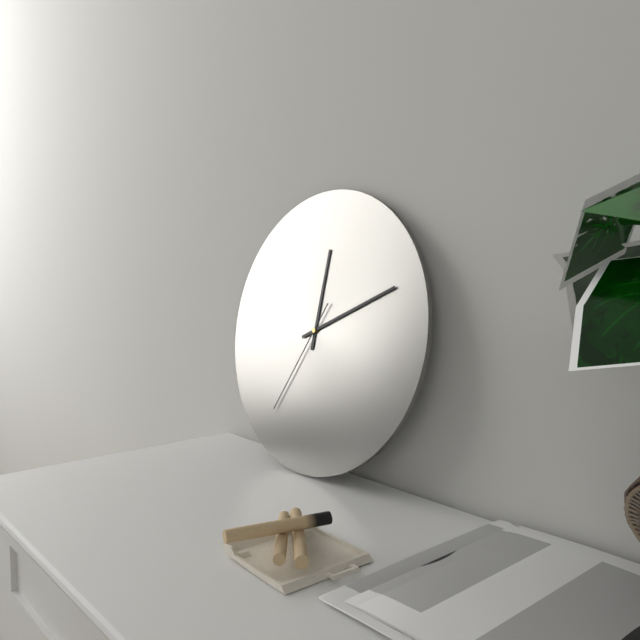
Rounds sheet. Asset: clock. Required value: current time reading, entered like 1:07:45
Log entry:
12:11:35
